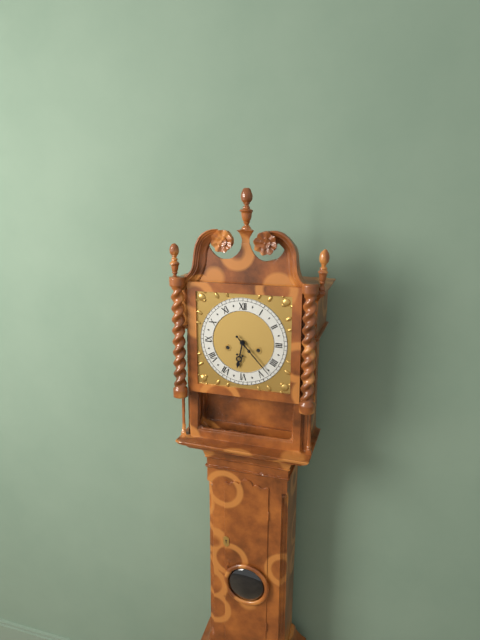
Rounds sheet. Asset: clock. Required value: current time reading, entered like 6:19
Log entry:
6:23
